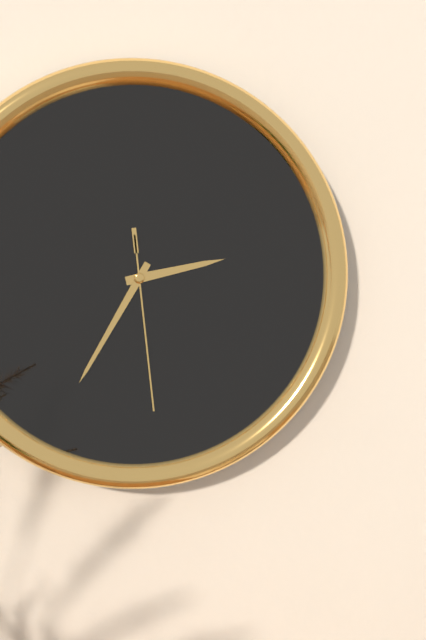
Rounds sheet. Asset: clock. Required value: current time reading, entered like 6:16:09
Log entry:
2:35:29
